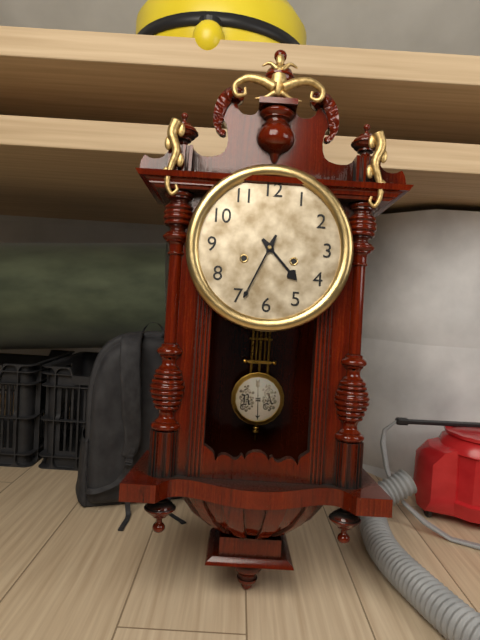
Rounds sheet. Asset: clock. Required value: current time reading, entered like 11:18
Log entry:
4:34
